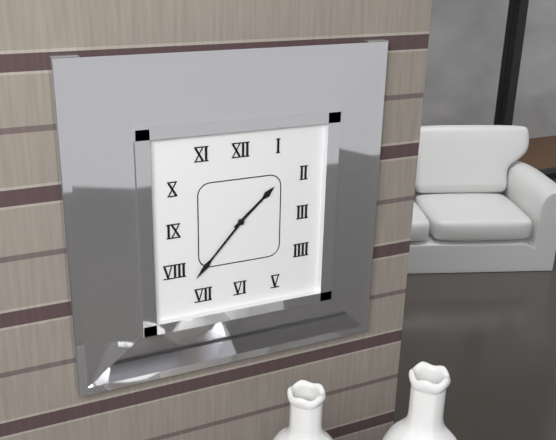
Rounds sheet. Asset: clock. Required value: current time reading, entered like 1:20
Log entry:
1:37
